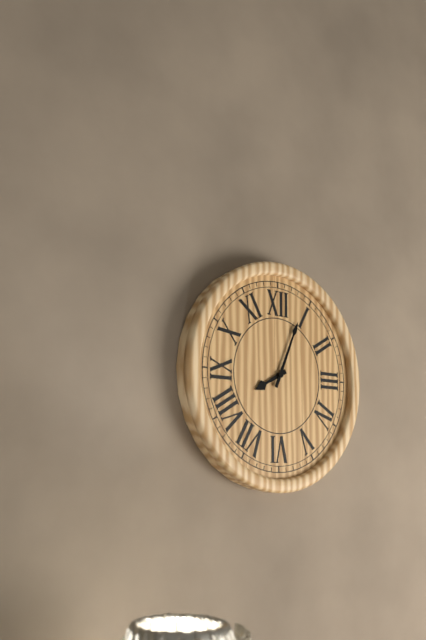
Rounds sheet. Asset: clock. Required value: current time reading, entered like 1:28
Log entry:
8:04
